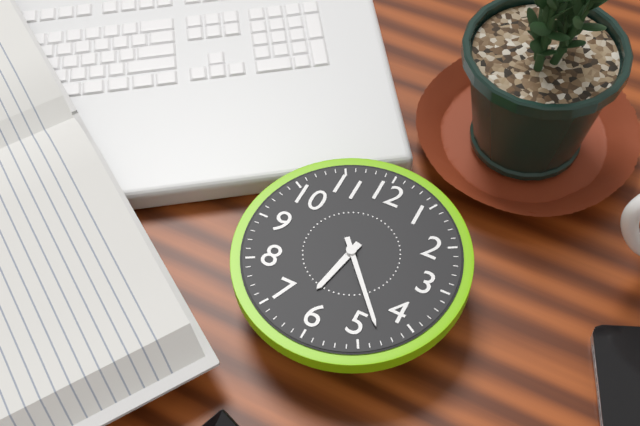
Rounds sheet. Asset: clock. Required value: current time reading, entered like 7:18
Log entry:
6:23
